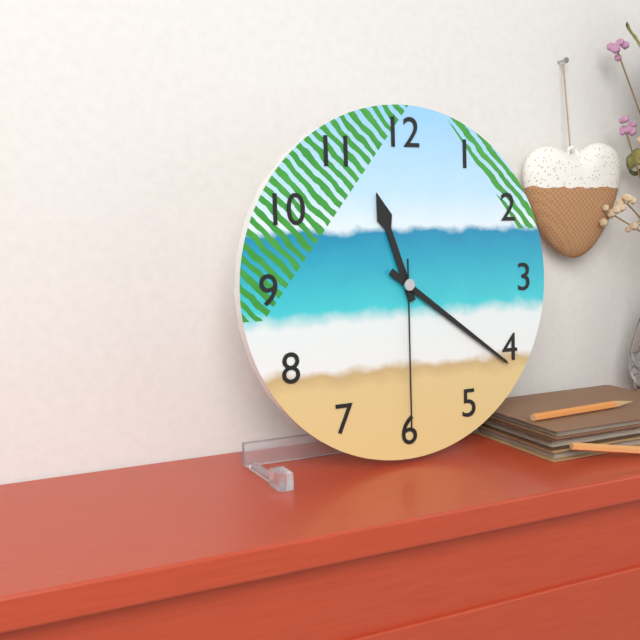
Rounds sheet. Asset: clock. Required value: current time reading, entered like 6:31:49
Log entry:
11:21:30
